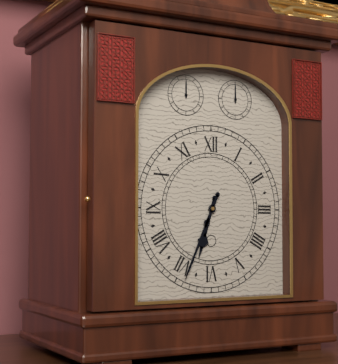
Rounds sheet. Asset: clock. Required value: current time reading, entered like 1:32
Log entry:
6:34
